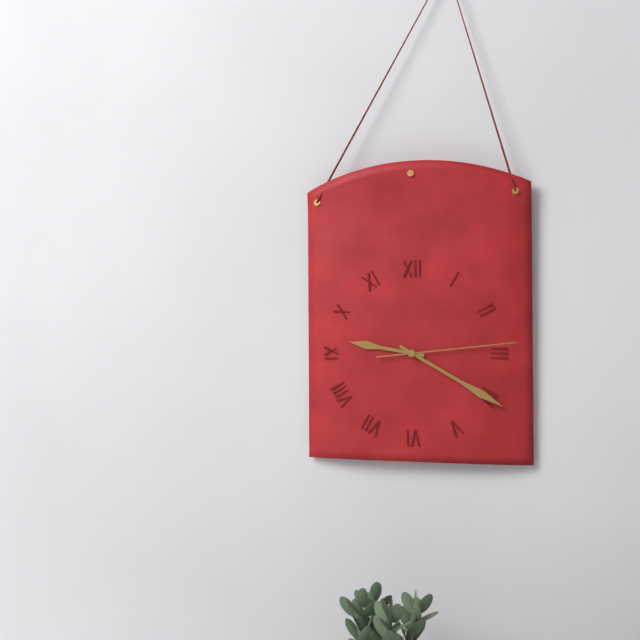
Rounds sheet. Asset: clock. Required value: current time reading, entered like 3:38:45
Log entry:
9:20:14
